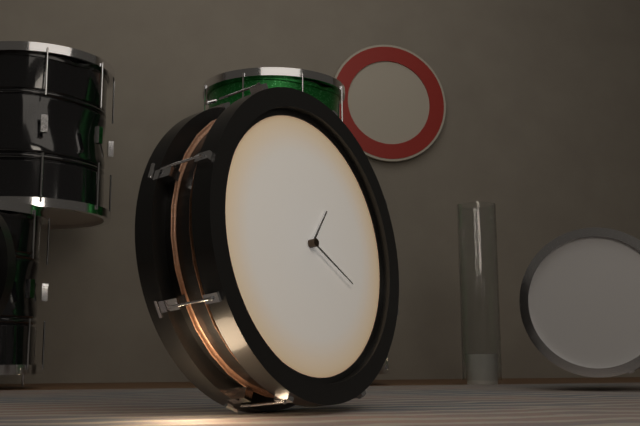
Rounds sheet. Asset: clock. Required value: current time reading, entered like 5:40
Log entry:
1:20
